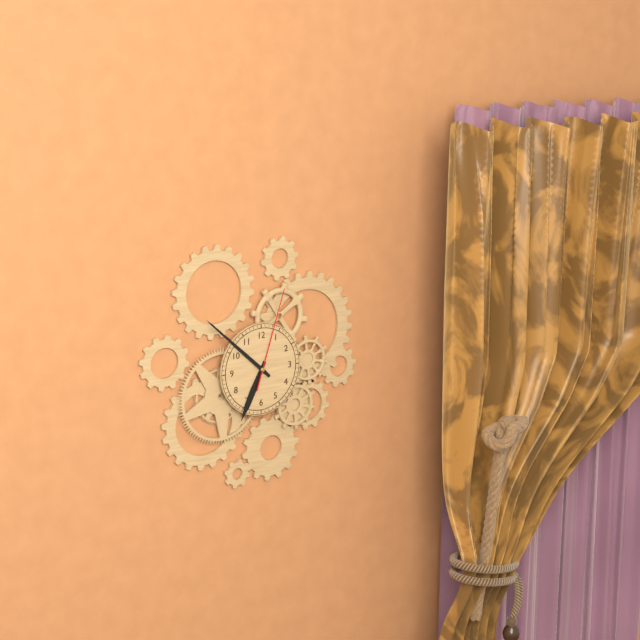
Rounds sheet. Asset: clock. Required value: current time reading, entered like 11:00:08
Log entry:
6:52:03
